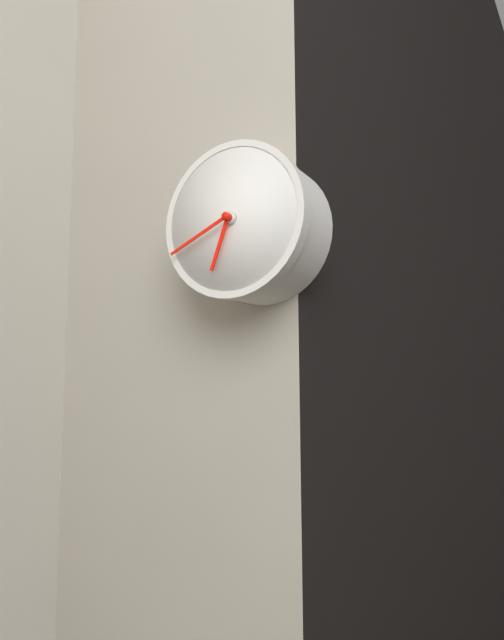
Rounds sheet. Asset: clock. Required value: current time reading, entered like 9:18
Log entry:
6:41
